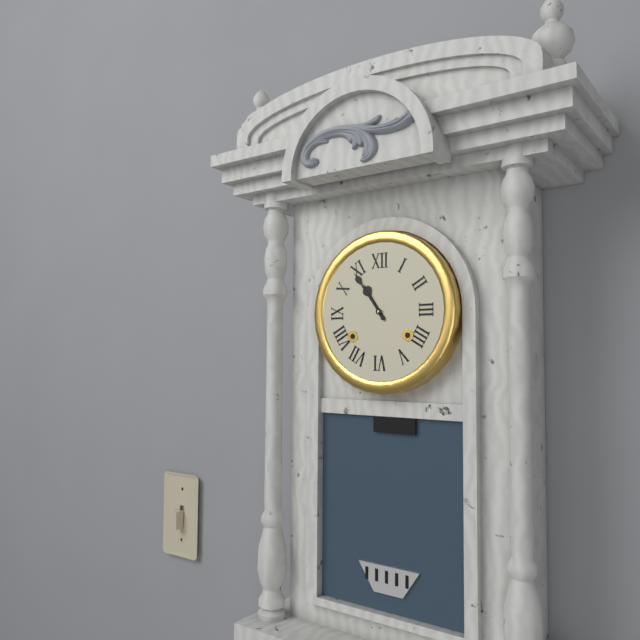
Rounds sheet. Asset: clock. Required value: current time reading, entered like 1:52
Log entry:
10:54
